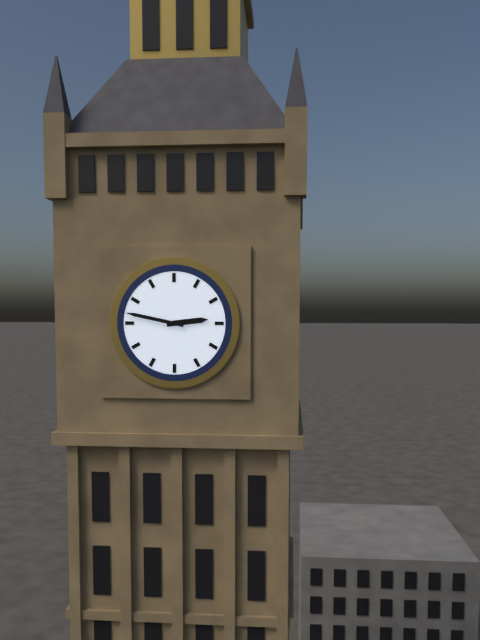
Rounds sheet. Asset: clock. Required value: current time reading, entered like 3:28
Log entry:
2:47
